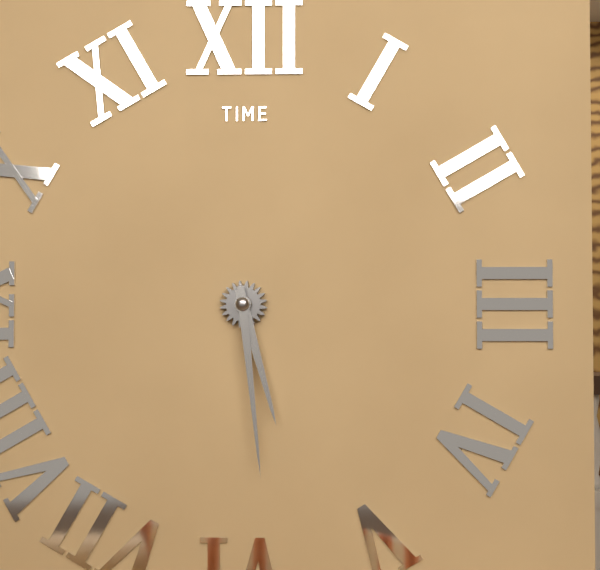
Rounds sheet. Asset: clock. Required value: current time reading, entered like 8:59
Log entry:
5:29
